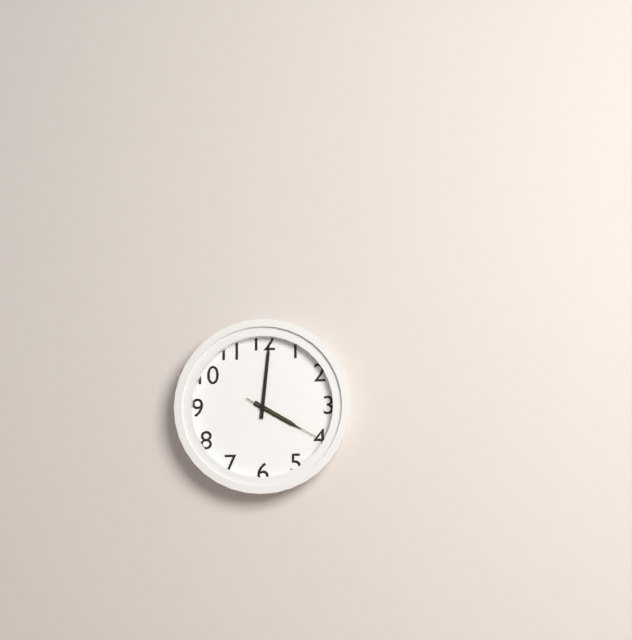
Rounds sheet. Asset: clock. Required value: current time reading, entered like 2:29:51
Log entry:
4:01:20
